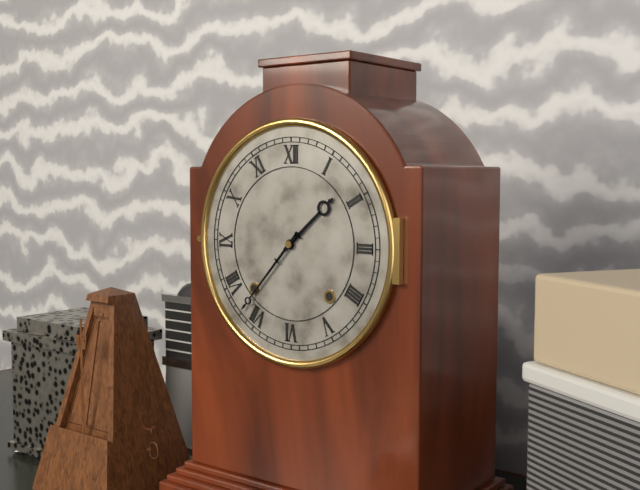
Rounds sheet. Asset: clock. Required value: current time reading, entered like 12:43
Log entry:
1:37
